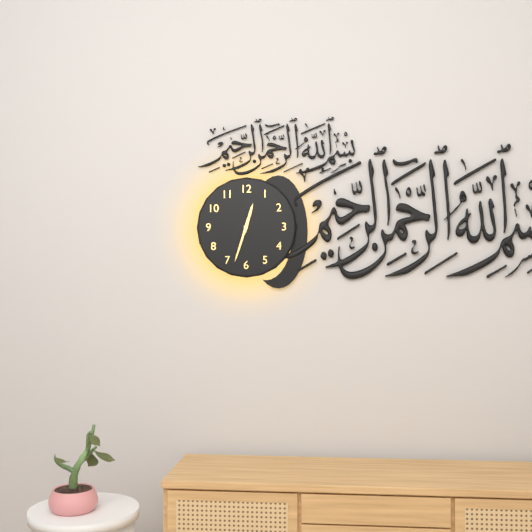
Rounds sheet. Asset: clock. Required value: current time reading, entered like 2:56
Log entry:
12:33
